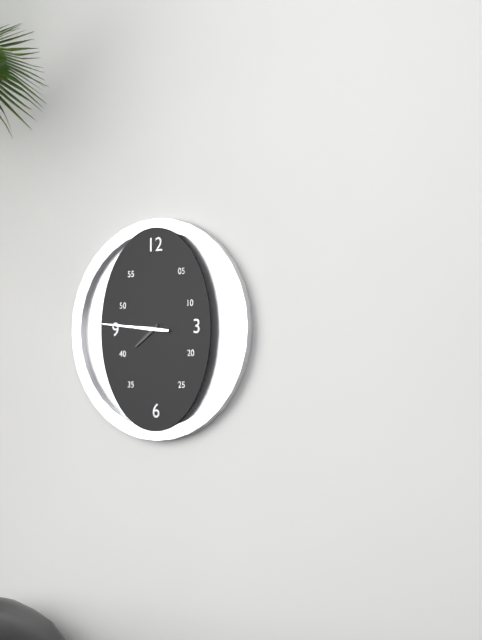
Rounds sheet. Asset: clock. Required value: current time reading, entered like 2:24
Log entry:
7:46
